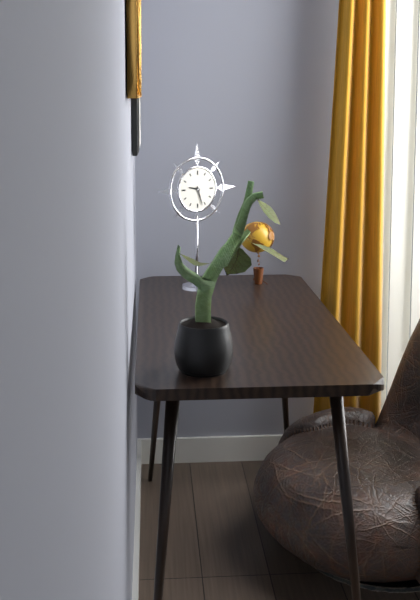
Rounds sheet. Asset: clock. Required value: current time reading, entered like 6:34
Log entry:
9:27
